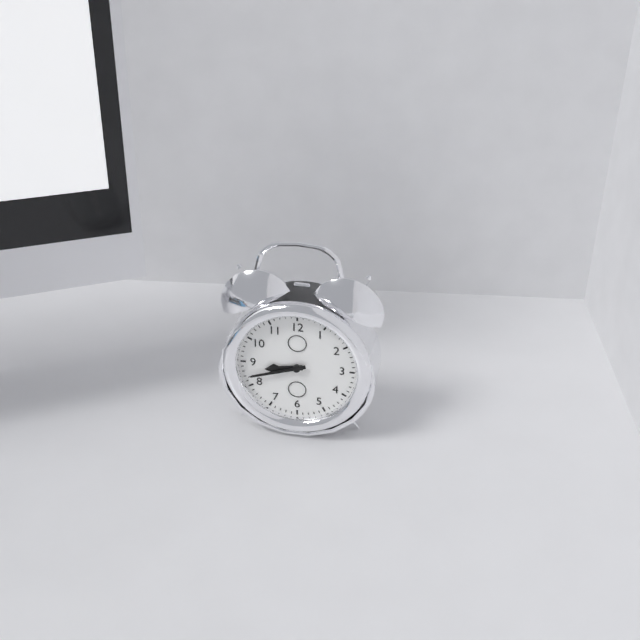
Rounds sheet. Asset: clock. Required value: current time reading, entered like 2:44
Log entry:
8:42
